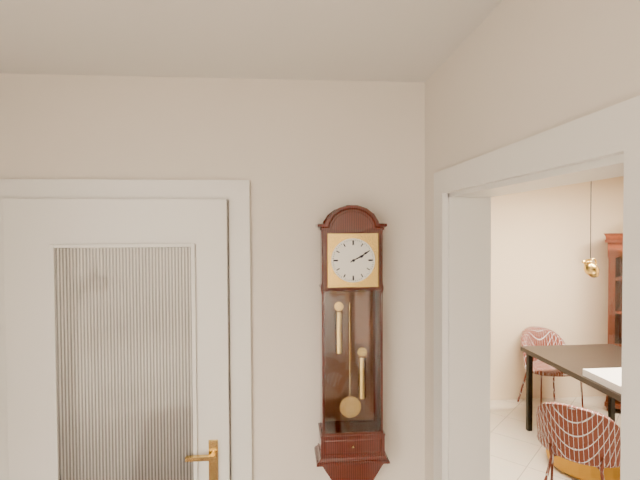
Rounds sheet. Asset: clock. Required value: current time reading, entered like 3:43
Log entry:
2:10
